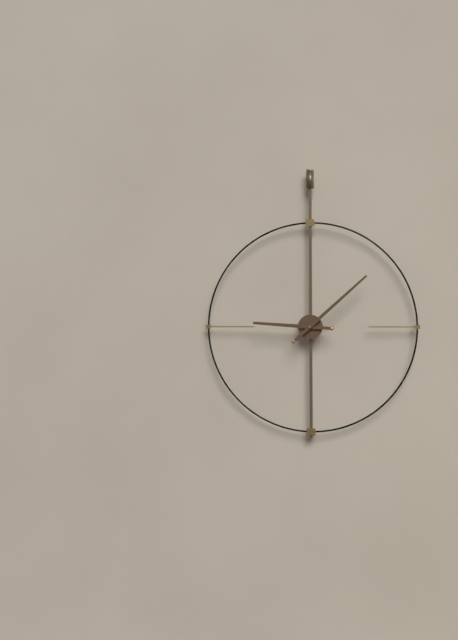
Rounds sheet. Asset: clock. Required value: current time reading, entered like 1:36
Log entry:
9:08
